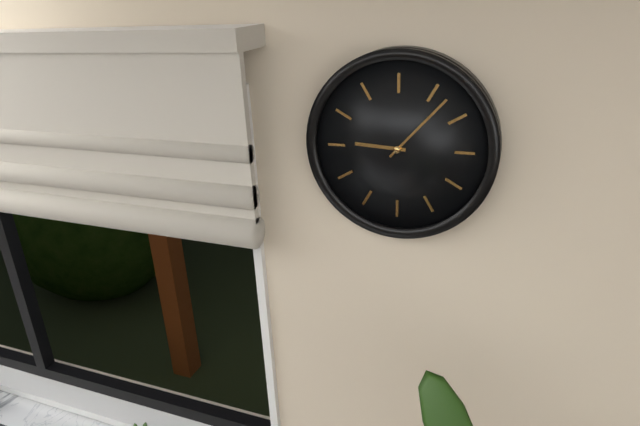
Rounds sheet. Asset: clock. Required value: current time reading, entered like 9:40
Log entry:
9:07
